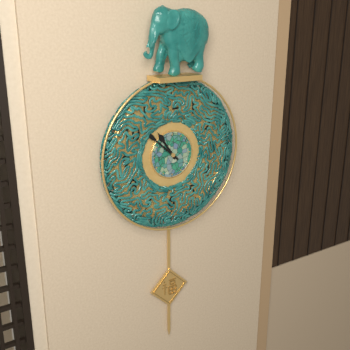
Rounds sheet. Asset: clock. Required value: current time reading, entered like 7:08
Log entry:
10:52
